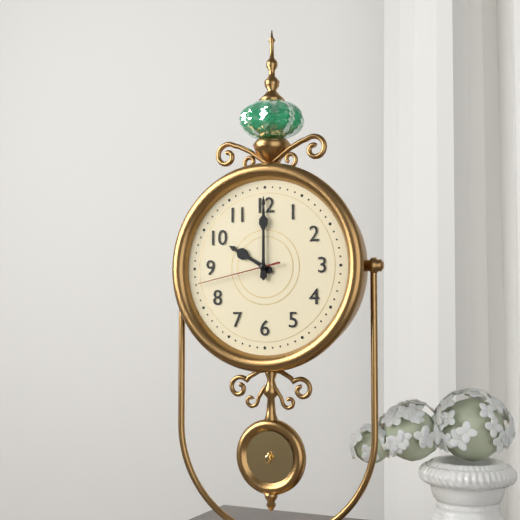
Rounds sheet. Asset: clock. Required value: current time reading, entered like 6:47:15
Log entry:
10:00:43
